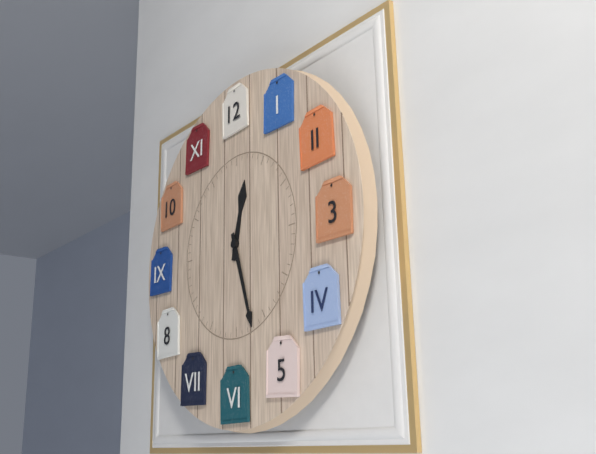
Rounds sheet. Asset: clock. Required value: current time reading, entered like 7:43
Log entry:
12:27
